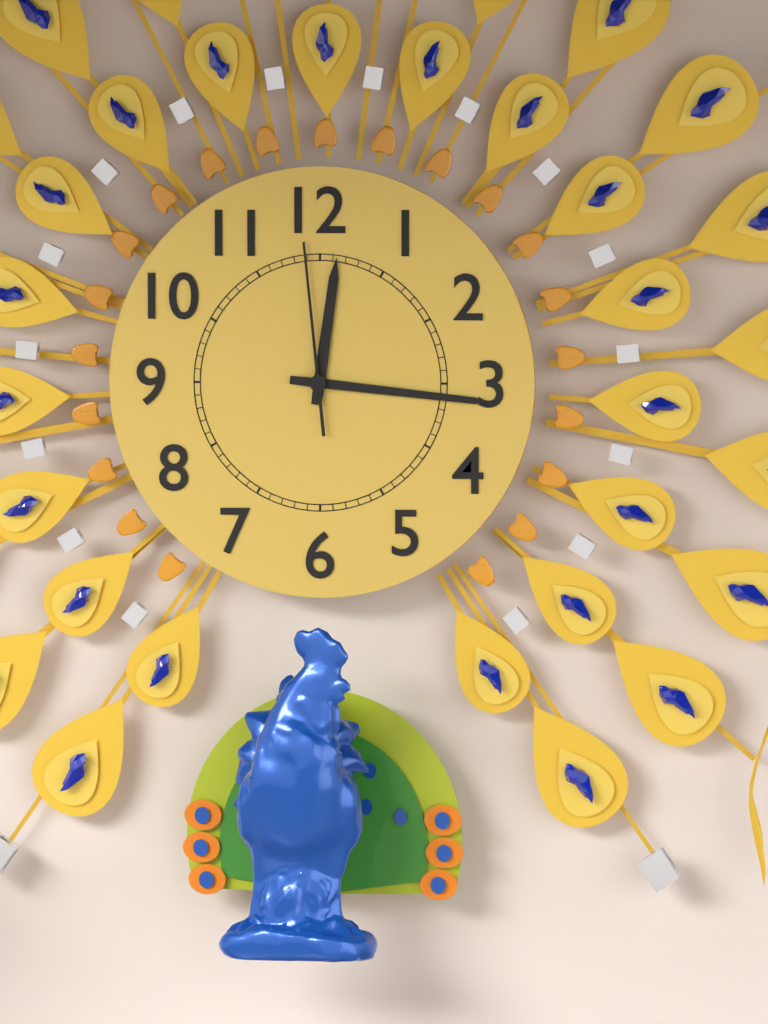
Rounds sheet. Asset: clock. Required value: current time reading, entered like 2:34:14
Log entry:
12:16:59
